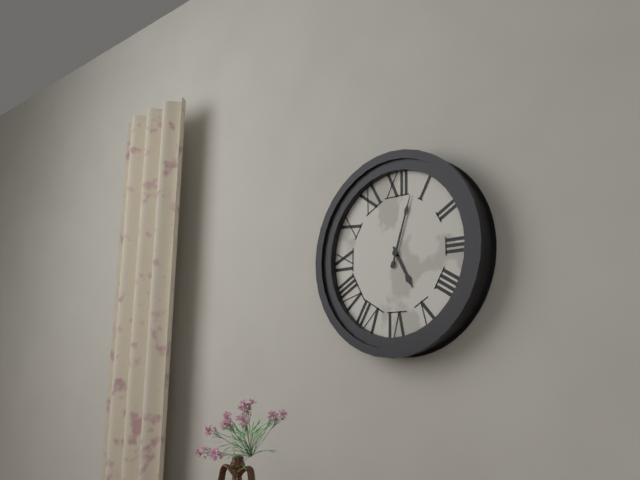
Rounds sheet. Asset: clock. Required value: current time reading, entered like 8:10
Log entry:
5:03
